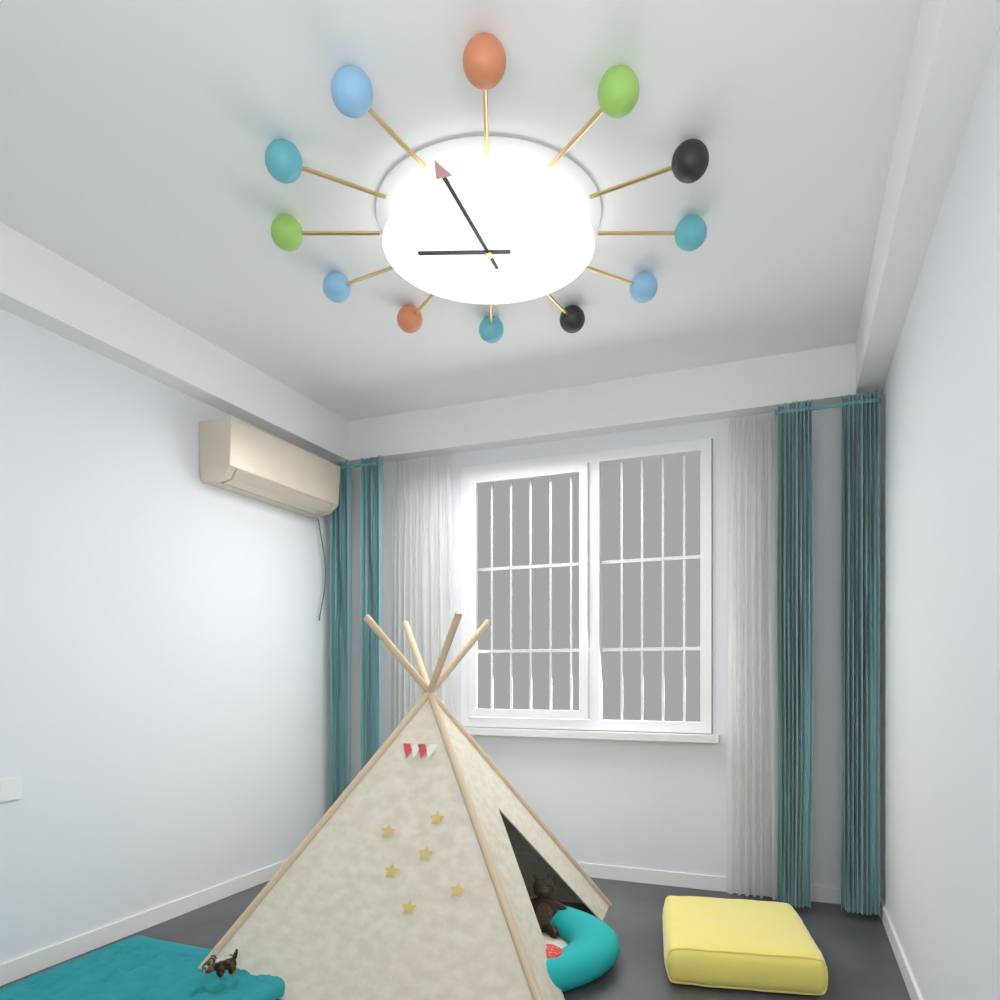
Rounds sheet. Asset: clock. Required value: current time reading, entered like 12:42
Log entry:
8:57
